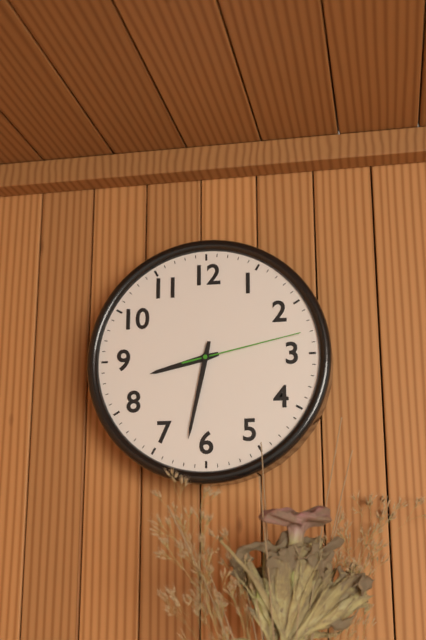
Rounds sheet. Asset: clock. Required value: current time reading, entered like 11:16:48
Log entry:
8:32:13
